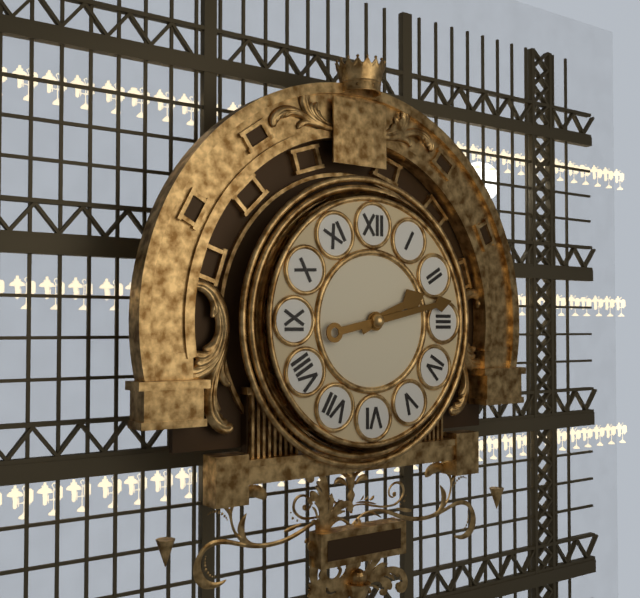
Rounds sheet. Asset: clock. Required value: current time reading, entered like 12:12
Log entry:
2:13
